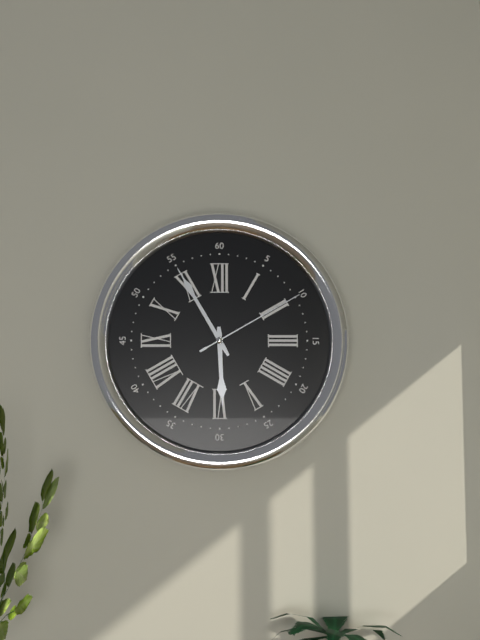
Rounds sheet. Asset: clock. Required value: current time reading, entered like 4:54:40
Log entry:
5:55:10
